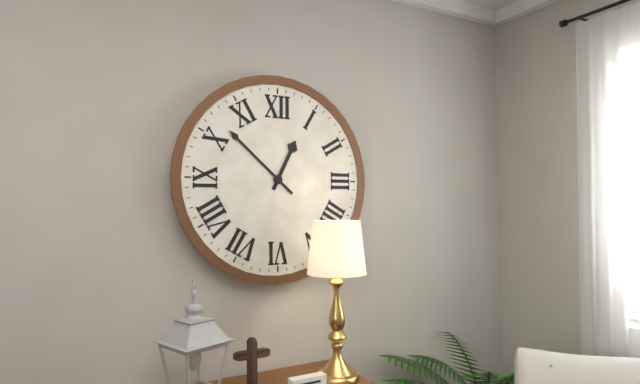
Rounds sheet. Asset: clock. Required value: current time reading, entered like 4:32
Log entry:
12:52
